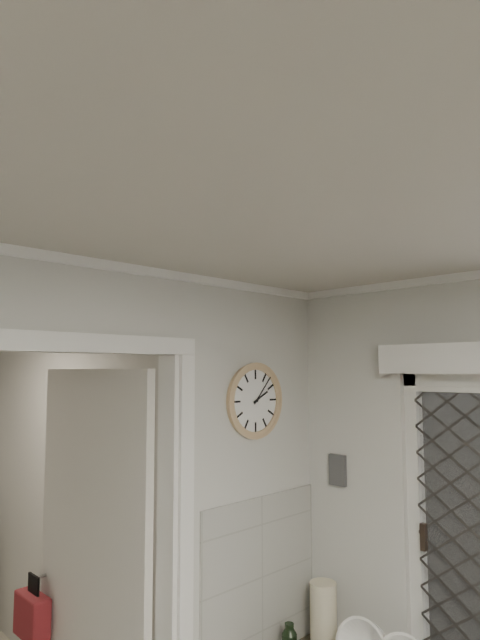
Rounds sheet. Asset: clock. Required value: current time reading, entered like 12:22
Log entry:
2:07
